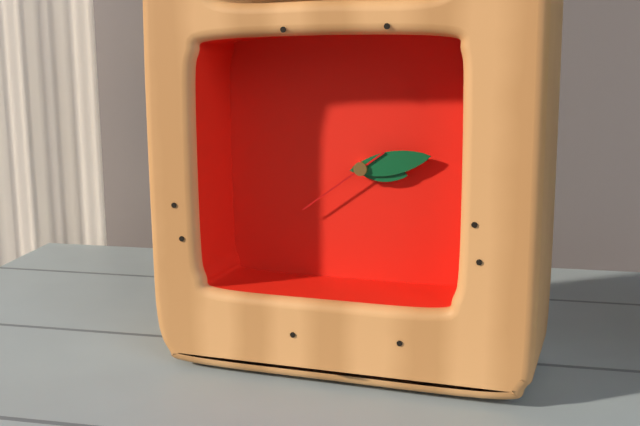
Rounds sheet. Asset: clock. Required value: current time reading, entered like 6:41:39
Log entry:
3:13:39
